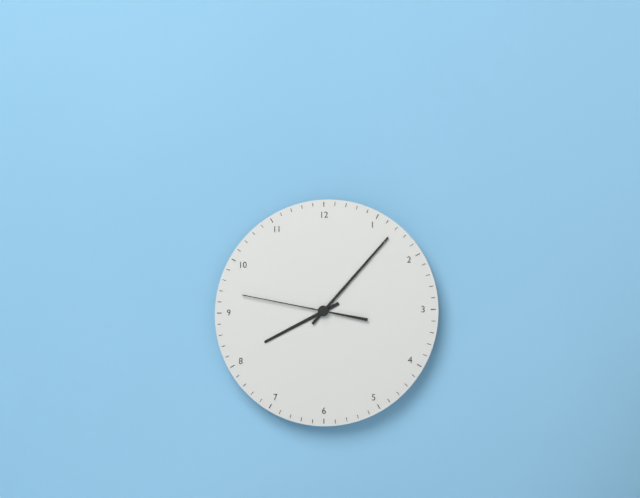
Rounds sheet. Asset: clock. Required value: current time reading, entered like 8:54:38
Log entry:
8:07:47
